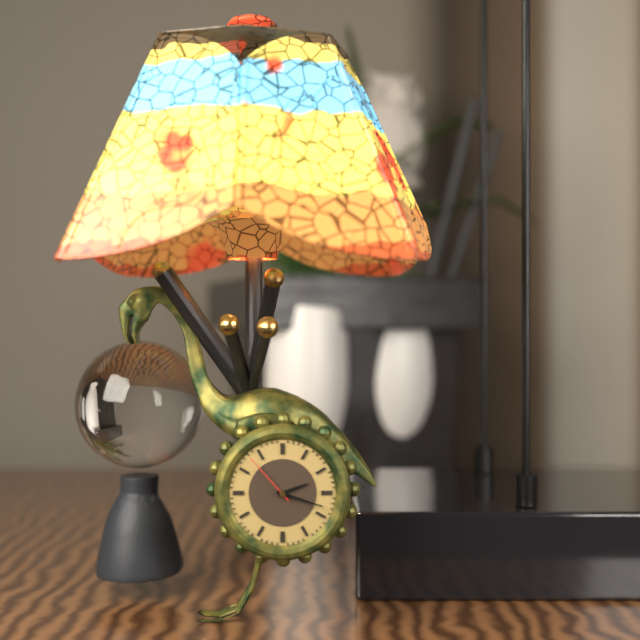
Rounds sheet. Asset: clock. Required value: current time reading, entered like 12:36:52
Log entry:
2:18:53
